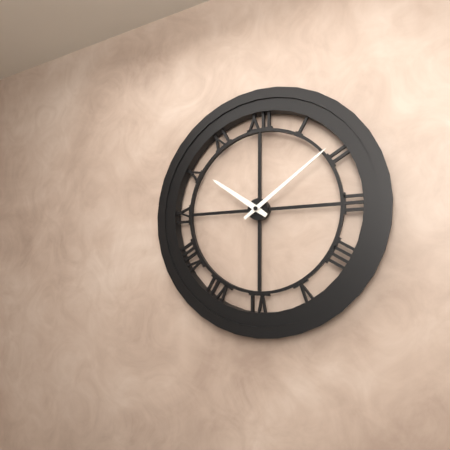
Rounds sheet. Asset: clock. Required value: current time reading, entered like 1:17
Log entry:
10:09
